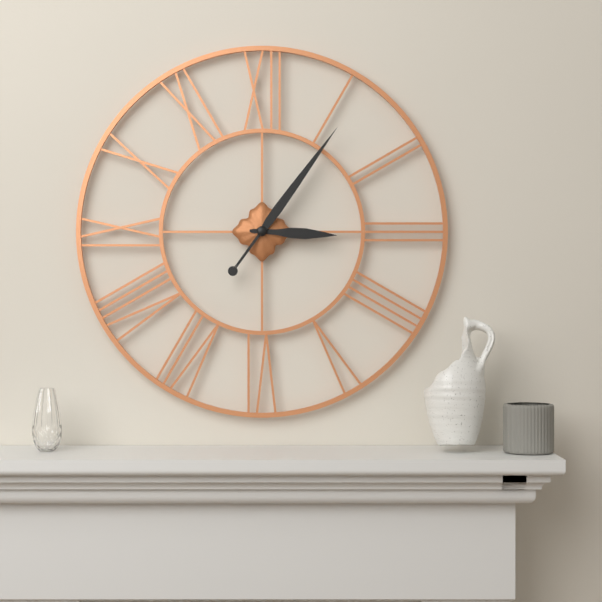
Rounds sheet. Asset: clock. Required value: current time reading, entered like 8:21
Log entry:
3:06
